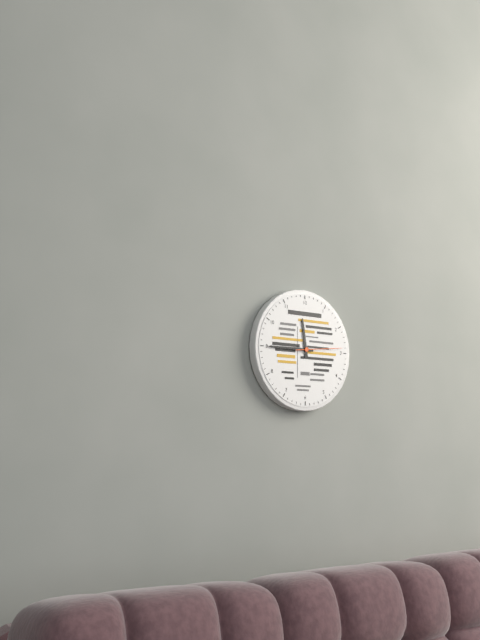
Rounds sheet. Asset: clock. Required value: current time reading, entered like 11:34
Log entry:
11:45
